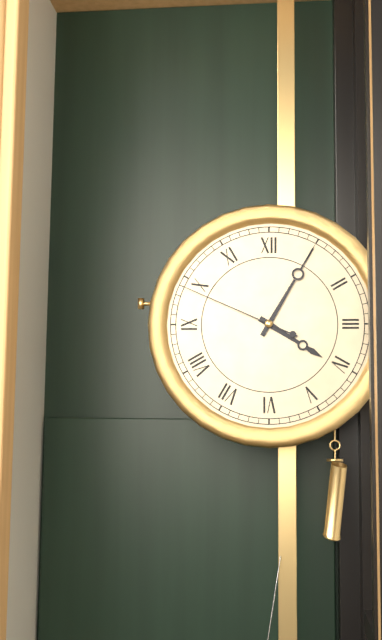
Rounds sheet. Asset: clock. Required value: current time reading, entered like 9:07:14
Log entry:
4:05:49
